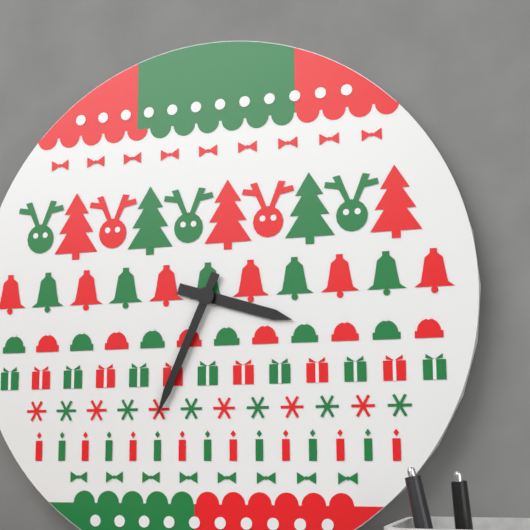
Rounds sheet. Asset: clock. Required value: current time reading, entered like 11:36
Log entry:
3:34
